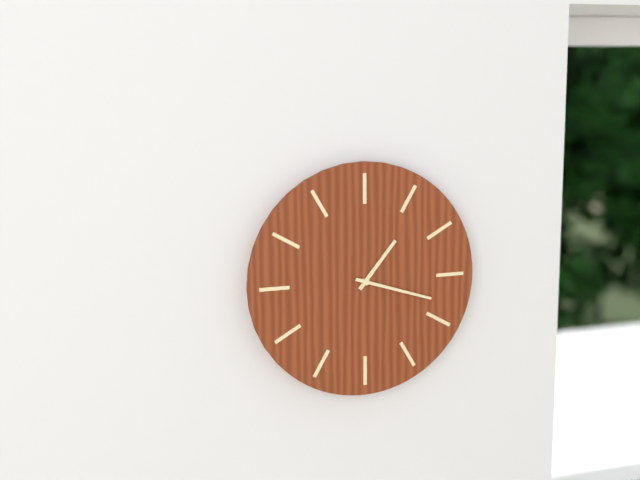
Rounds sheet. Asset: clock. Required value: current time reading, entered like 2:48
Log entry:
1:18
